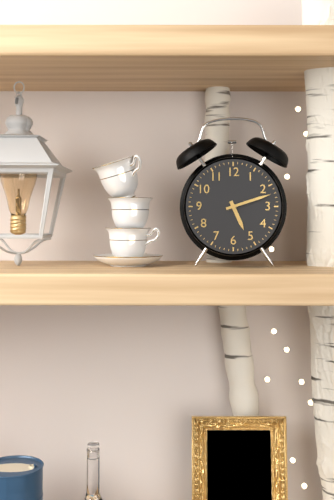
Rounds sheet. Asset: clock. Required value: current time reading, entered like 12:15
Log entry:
5:12
